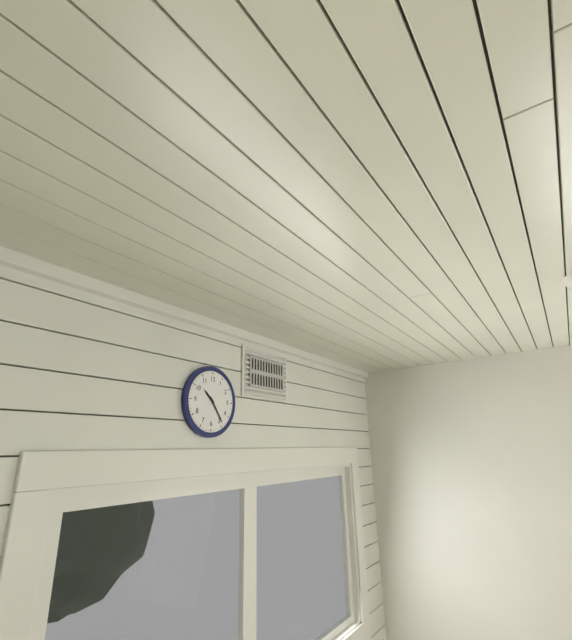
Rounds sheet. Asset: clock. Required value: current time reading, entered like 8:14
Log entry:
10:24
